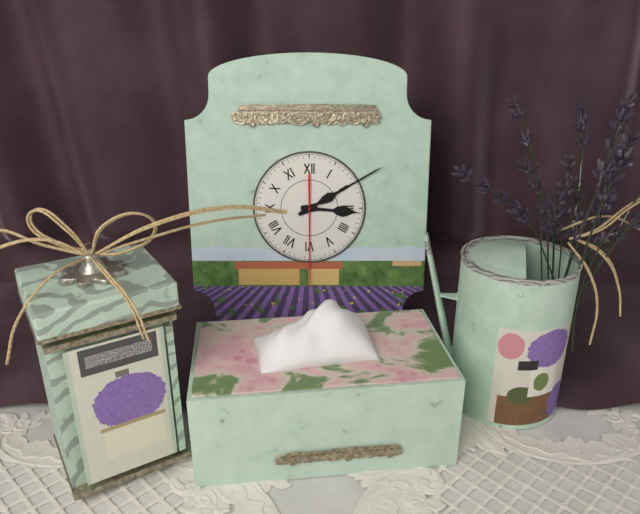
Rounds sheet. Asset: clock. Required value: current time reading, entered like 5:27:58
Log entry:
3:10:30
